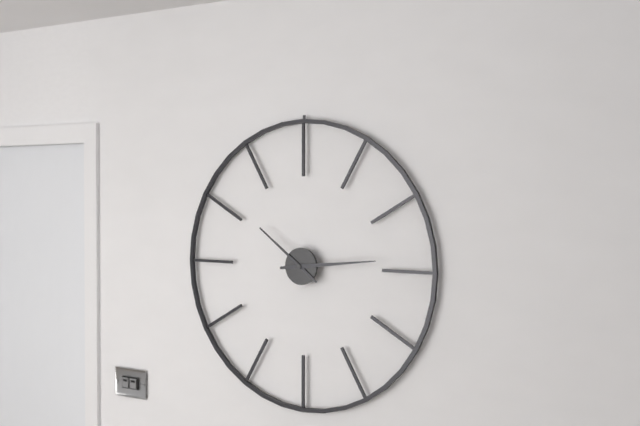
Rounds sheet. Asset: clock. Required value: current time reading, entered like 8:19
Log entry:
10:14
